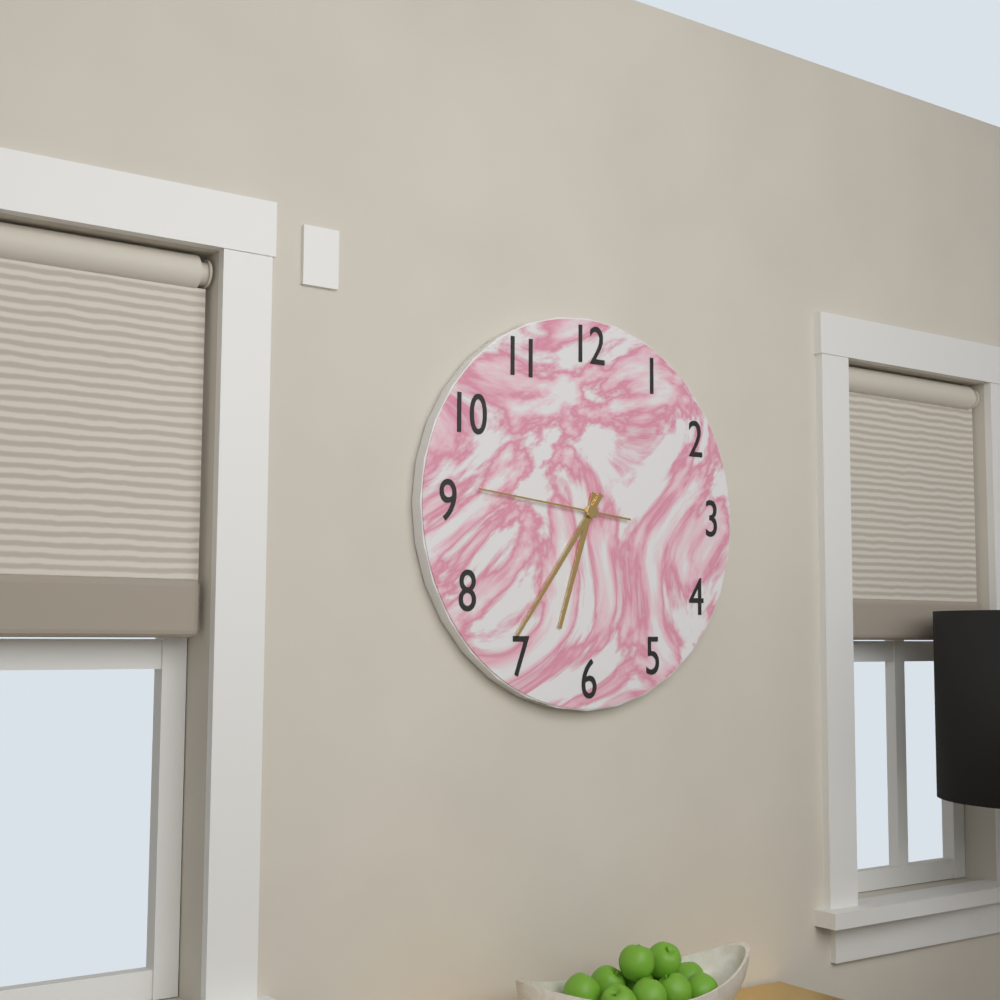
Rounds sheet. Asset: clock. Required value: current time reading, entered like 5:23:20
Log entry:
6:36:46
